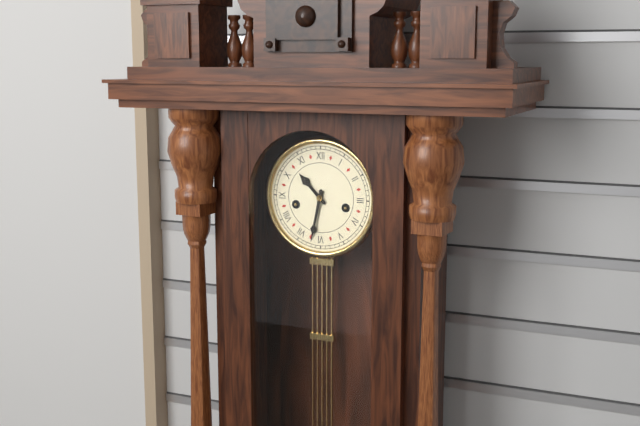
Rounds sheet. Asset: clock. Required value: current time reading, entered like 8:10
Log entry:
10:32
